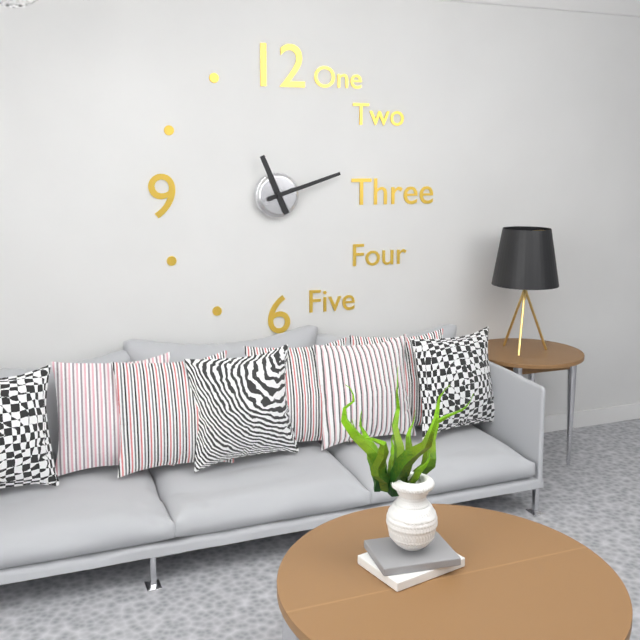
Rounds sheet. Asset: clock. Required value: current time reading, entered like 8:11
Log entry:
11:12
